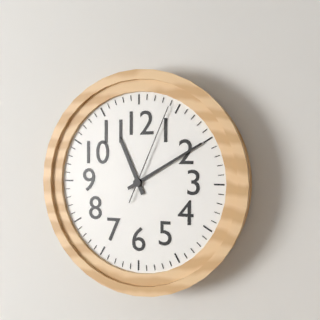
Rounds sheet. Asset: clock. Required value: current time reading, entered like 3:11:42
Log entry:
11:10:04
